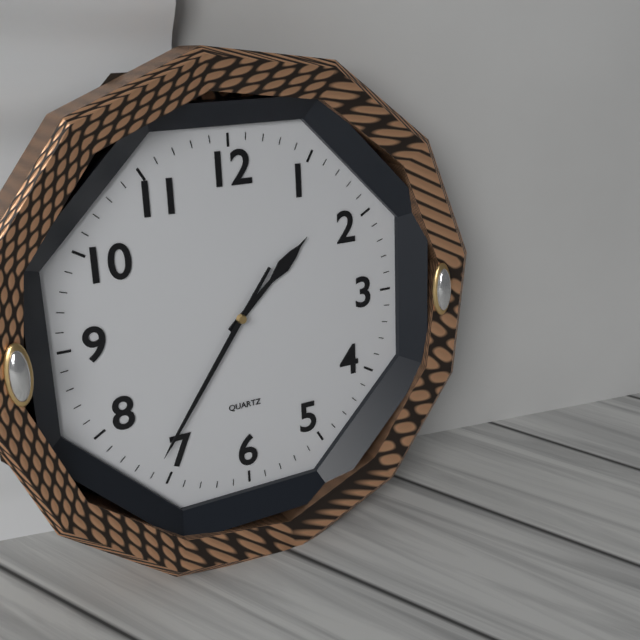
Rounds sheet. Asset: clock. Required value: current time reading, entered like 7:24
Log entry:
1:36
